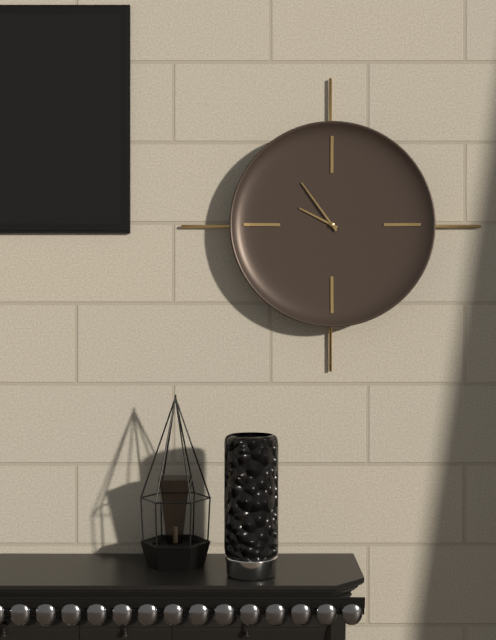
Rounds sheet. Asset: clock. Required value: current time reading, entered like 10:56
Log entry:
9:54
